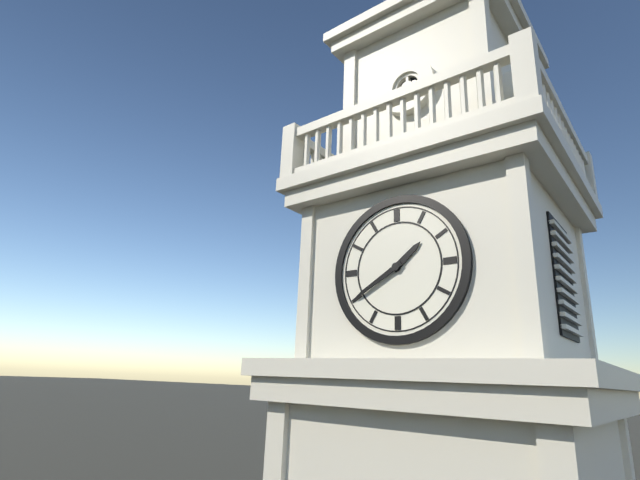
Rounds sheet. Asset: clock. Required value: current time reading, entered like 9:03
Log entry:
1:40
